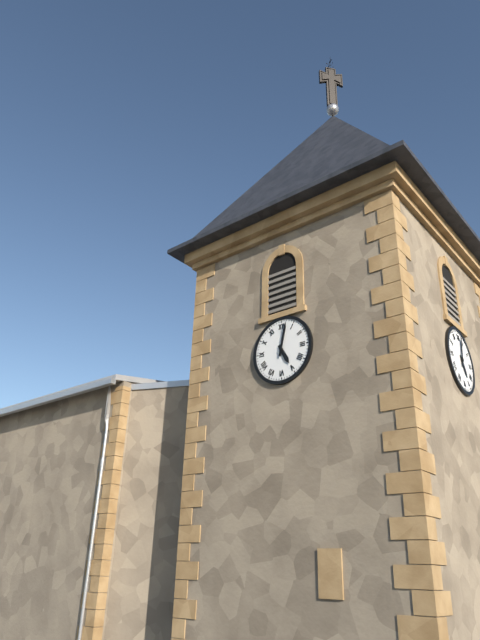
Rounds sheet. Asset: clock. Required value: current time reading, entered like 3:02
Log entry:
5:02
